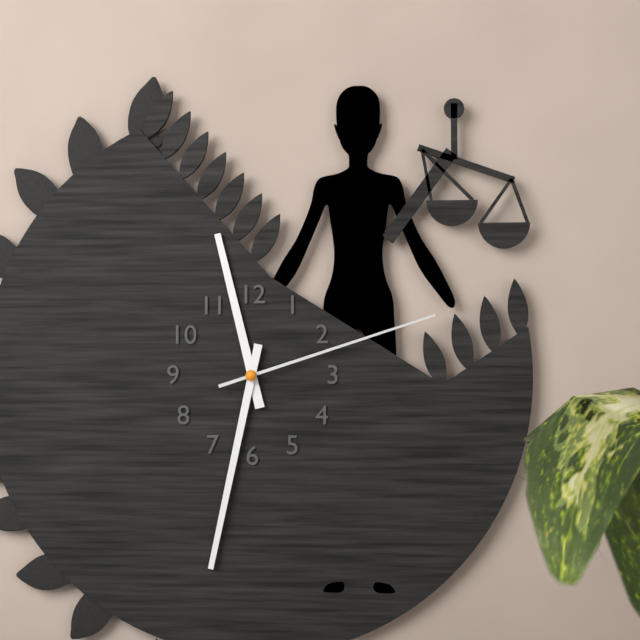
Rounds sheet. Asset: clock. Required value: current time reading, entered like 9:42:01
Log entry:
11:32:12
